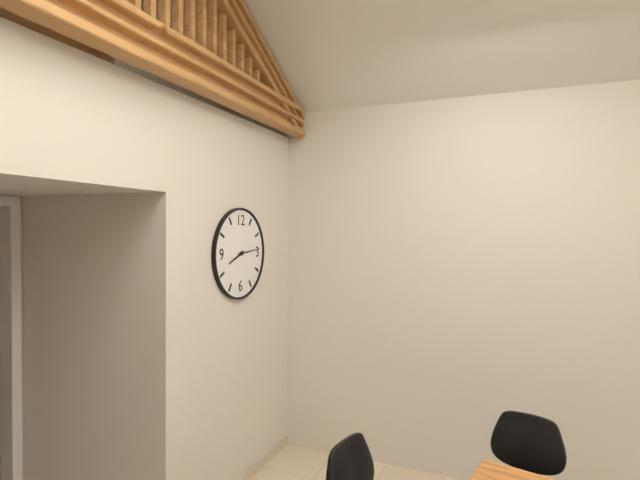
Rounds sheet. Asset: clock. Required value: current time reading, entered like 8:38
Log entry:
8:14
